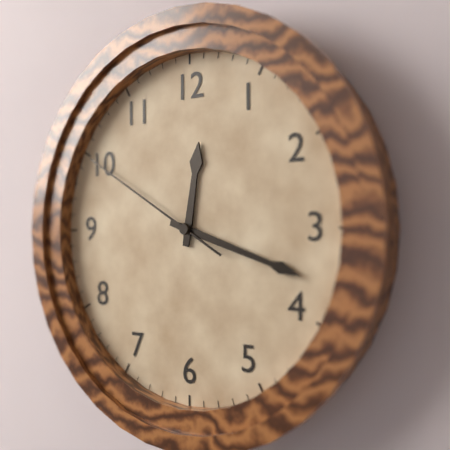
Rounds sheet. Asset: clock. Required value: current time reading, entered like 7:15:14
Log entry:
12:18:50
